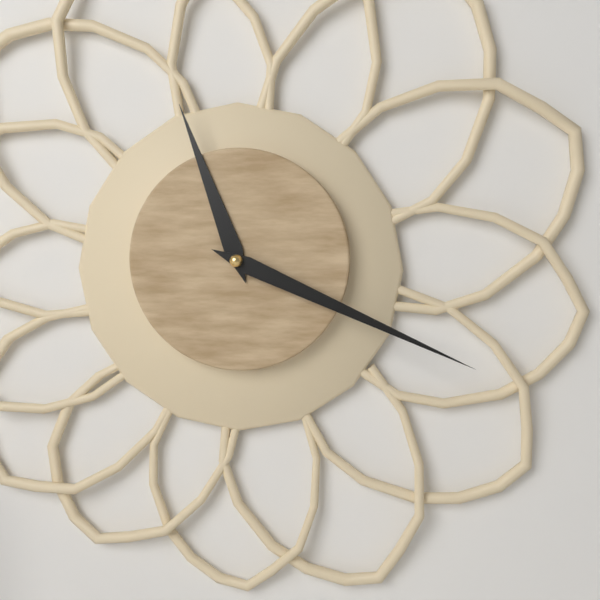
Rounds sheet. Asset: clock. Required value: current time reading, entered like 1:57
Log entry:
11:19
